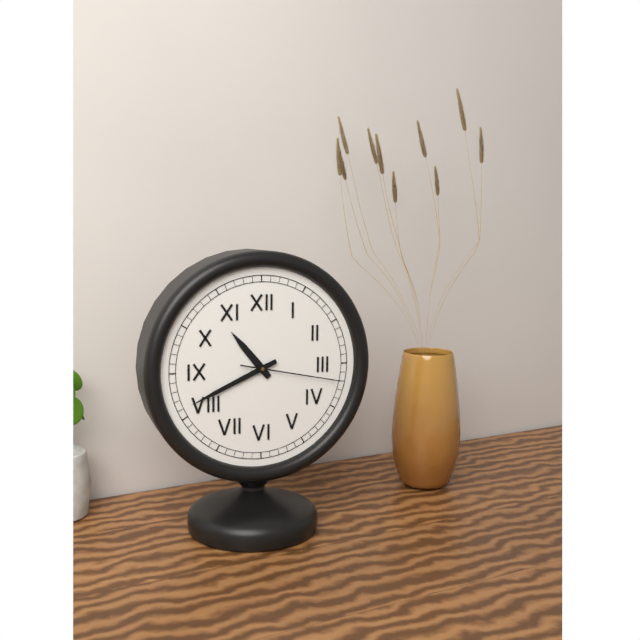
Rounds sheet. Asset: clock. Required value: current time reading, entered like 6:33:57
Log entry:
10:41:17
